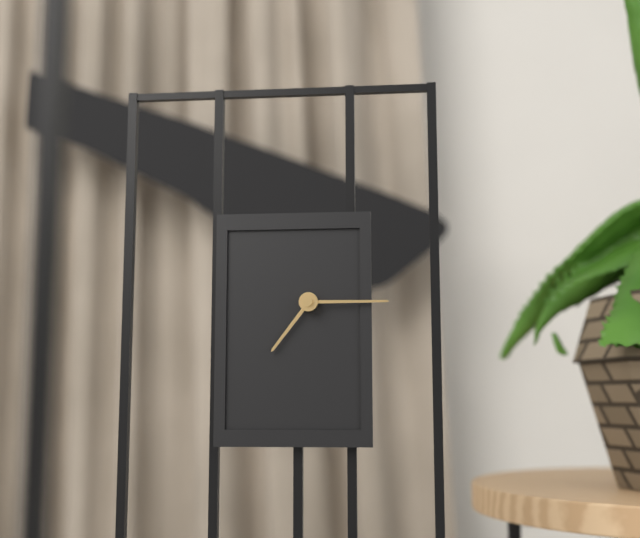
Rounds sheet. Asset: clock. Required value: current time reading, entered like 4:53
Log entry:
7:15
